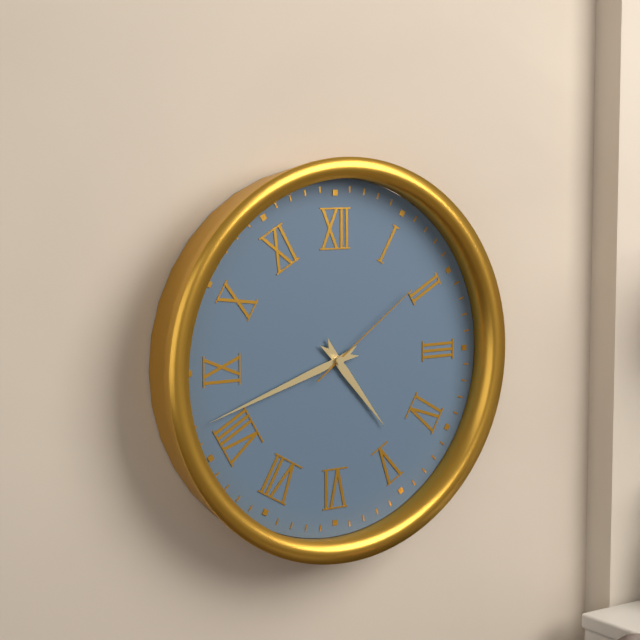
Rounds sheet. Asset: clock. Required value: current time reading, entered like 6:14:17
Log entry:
4:42:09
